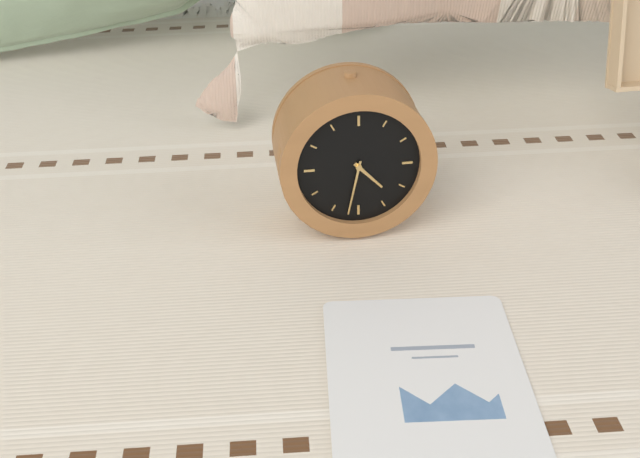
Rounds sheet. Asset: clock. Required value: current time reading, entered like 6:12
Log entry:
4:32
